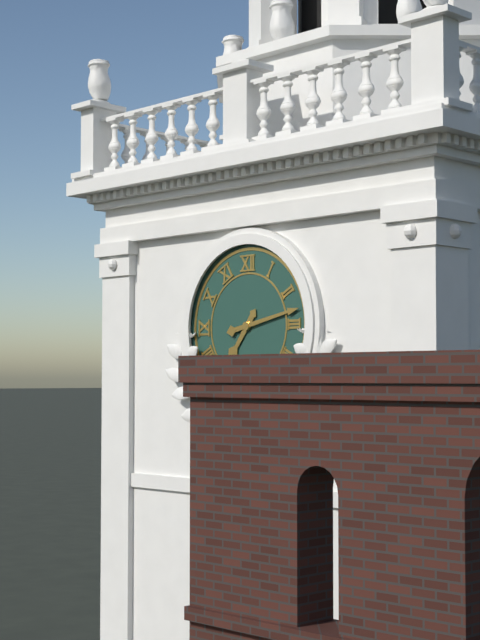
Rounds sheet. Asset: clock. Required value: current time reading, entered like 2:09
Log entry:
7:13
